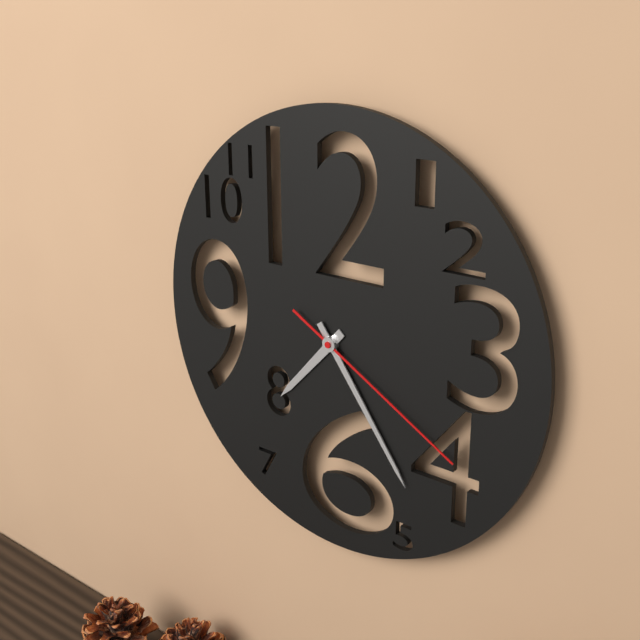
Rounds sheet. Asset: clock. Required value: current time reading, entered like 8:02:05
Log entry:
7:24:20
